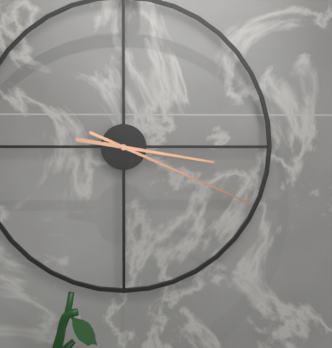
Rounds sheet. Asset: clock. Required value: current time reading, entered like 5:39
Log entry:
3:19
